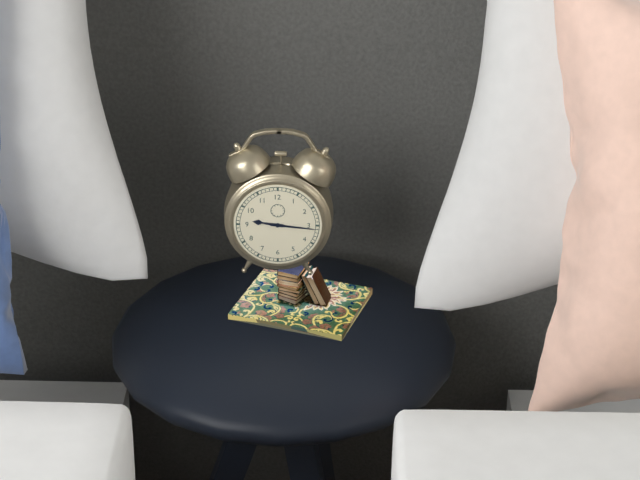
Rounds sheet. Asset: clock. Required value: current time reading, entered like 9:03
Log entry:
9:16
